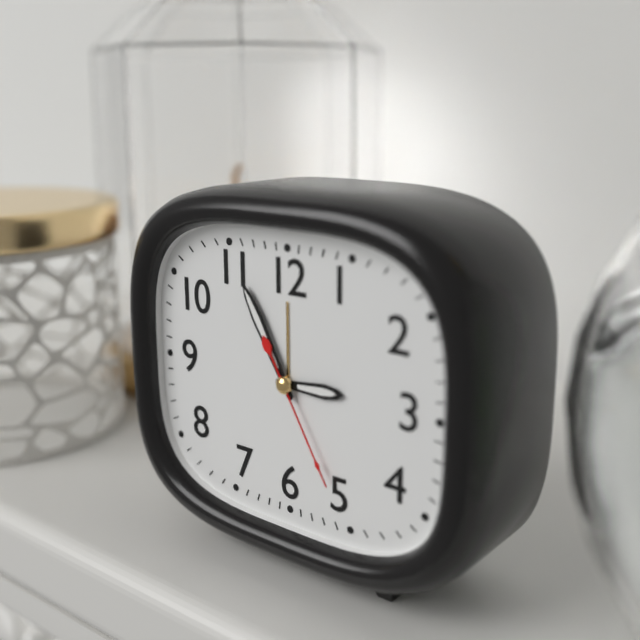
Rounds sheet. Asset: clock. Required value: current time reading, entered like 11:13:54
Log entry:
2:55:25
